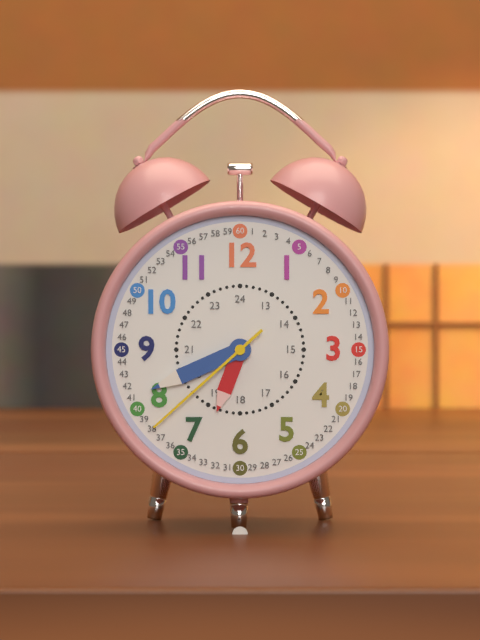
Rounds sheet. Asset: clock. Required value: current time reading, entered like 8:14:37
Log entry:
6:41:38
